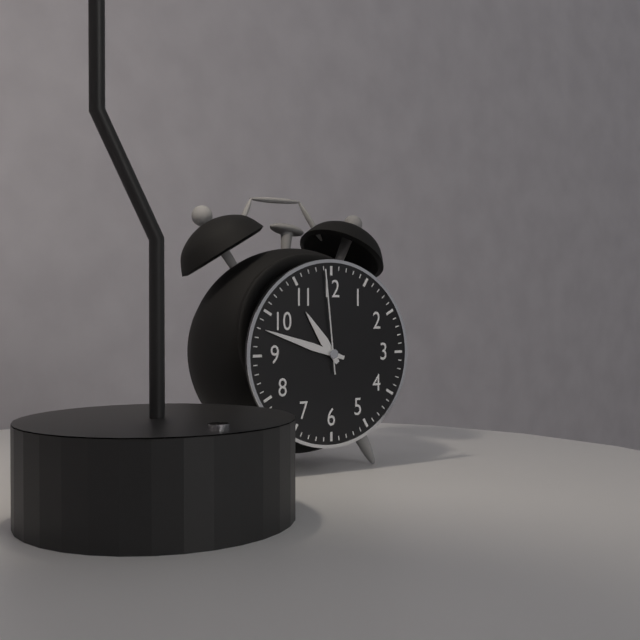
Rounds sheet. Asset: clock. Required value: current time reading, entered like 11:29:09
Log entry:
10:48:59
